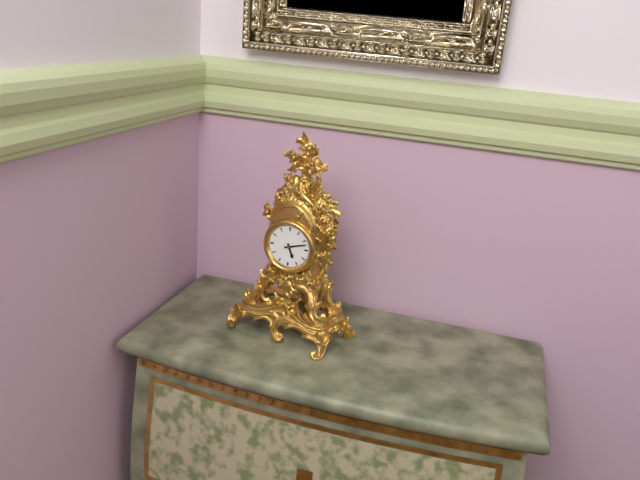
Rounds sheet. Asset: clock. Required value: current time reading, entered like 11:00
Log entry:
5:12
